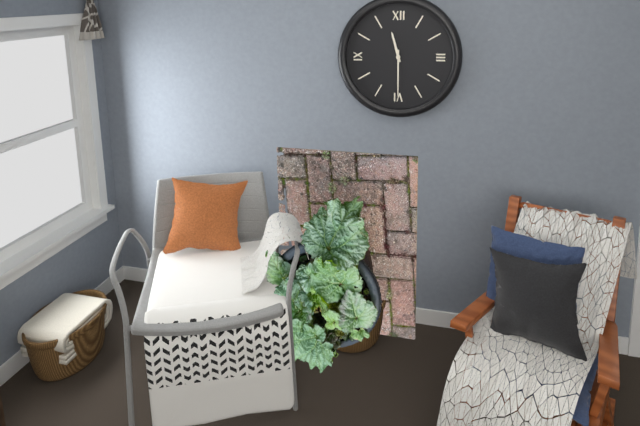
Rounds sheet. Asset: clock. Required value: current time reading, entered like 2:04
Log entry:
11:30
